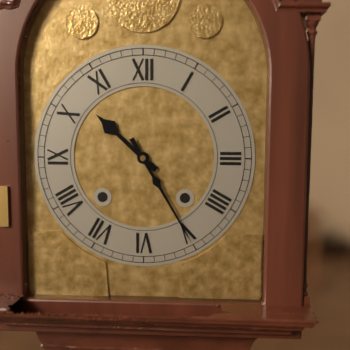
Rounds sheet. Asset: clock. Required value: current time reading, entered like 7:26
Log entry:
10:25
